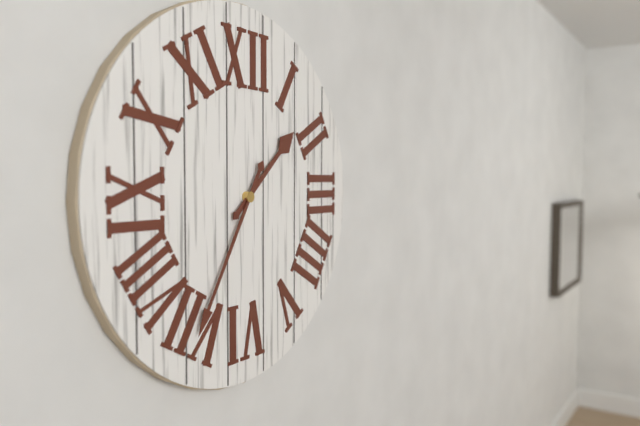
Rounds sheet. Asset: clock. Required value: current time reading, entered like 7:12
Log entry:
1:35
